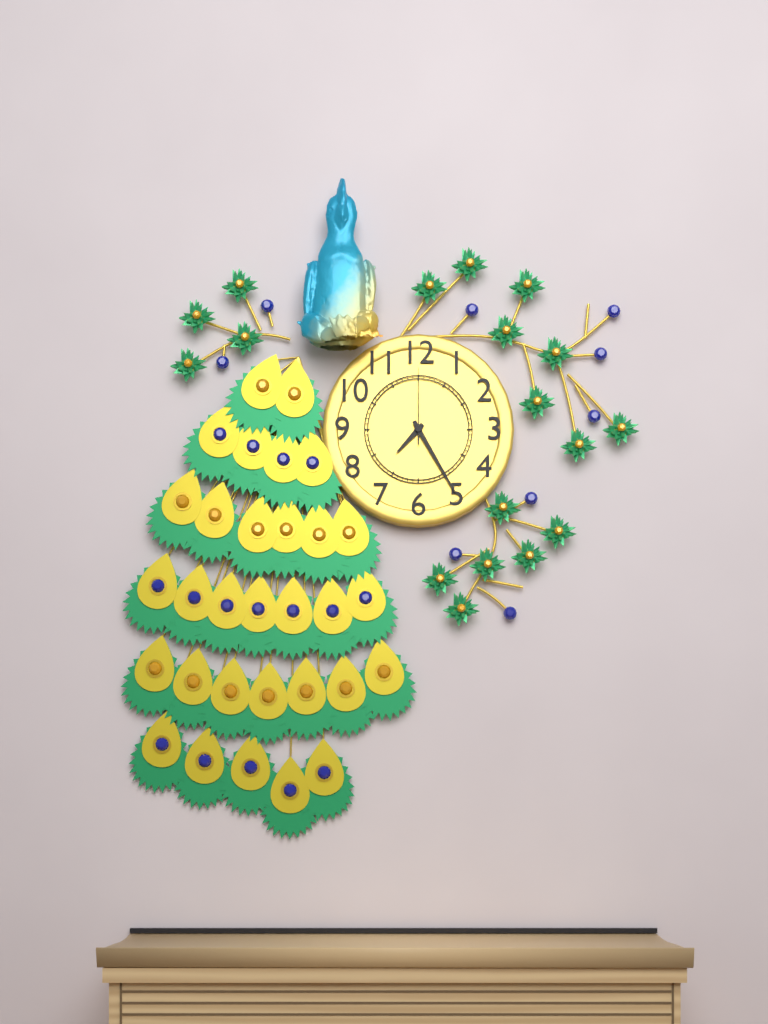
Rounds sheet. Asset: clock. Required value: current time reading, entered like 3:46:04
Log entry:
7:25:00
